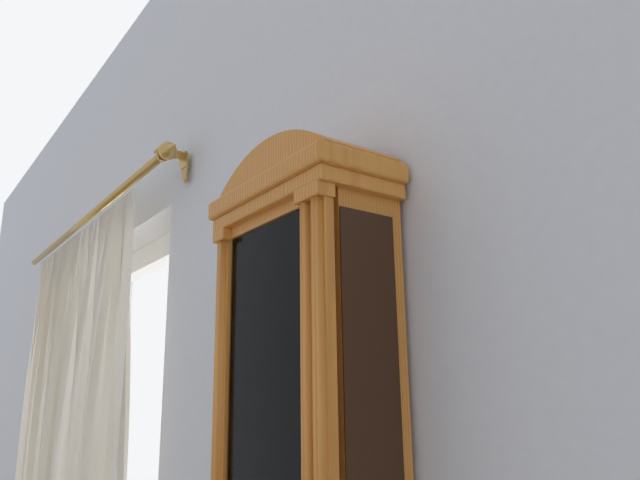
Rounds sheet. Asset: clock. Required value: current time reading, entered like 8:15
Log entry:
8:37
